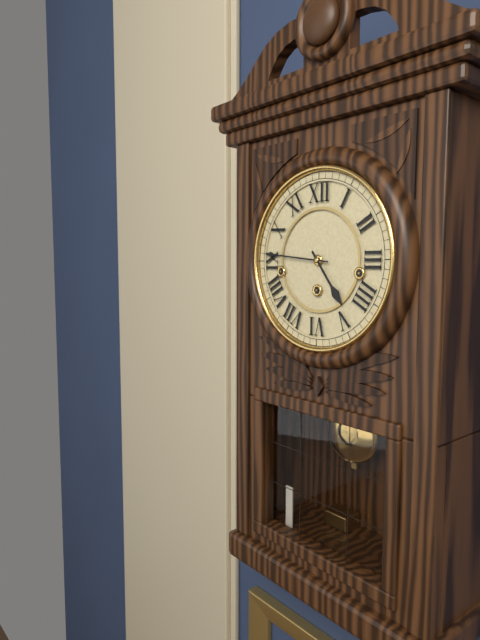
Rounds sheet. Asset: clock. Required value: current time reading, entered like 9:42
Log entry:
4:46
